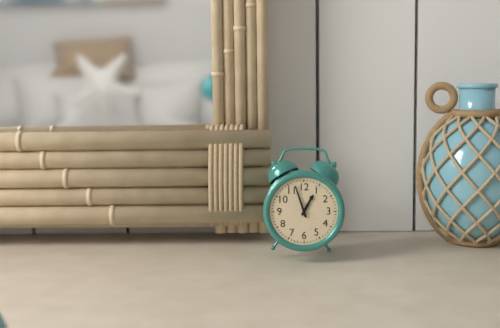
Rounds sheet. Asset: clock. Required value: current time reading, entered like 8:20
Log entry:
12:57
